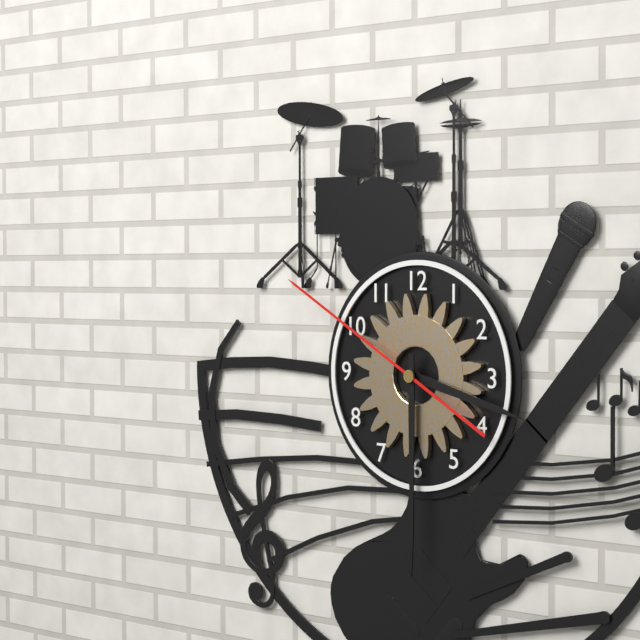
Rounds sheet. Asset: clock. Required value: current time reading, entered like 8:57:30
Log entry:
3:30:50
